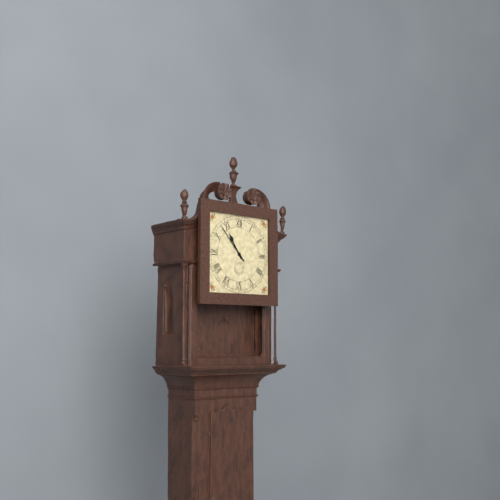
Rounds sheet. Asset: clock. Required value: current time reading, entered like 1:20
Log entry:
10:53
